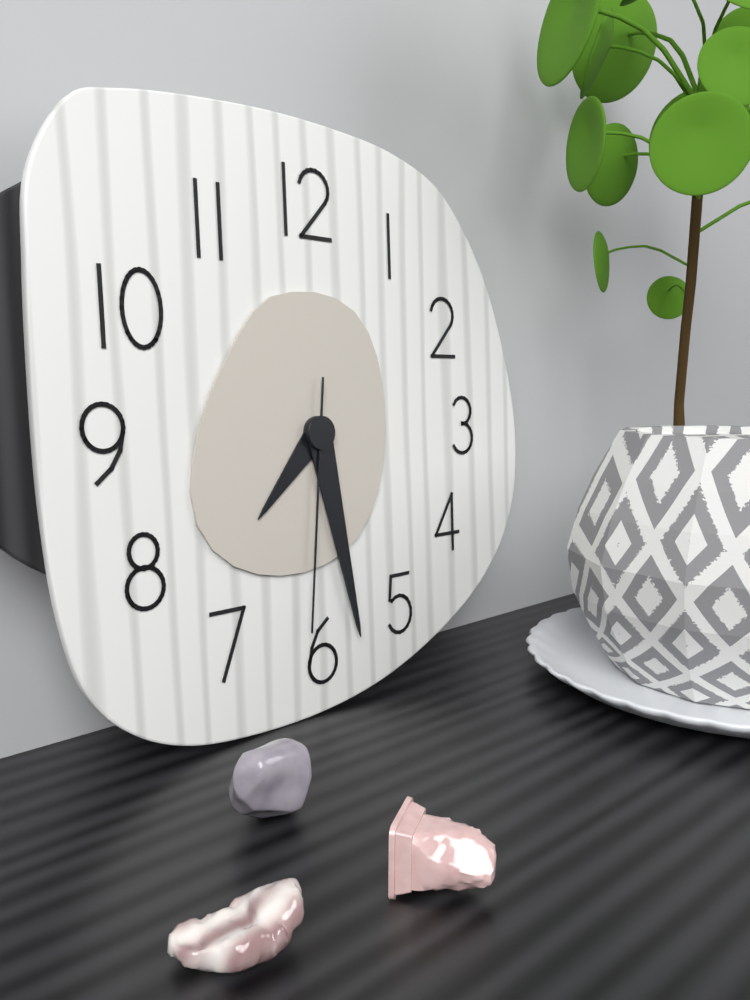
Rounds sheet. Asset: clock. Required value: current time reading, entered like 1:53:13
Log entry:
7:28:31
